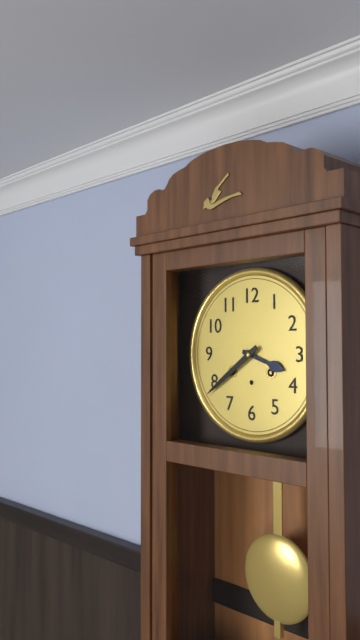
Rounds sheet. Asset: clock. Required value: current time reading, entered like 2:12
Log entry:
3:39
